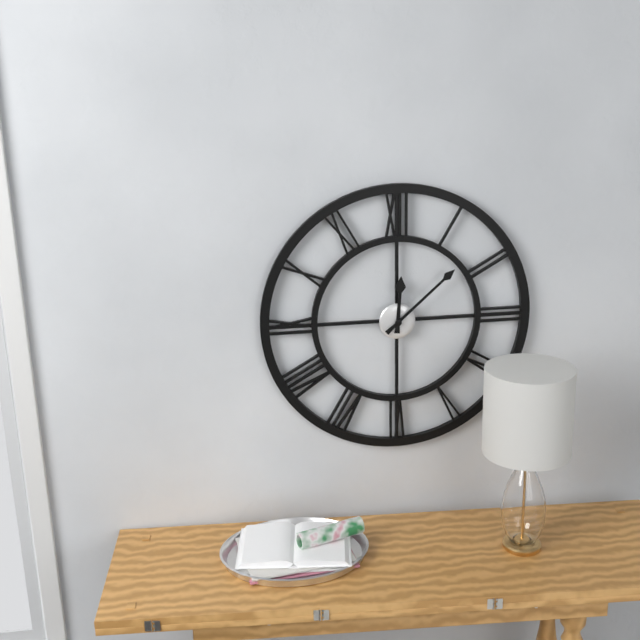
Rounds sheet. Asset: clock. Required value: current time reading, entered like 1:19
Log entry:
12:08
